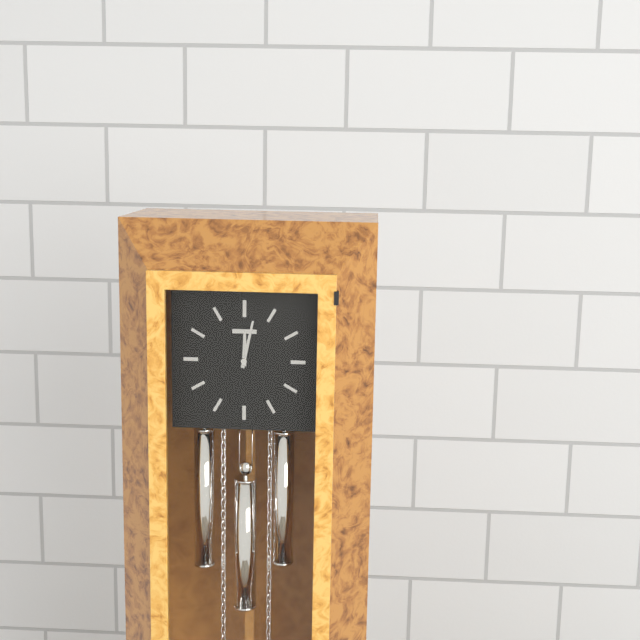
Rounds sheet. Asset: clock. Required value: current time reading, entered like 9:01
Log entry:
12:02
